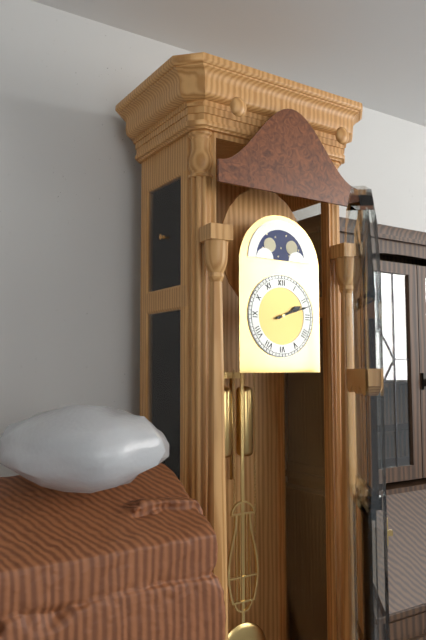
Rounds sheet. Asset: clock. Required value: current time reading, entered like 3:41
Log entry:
2:12
